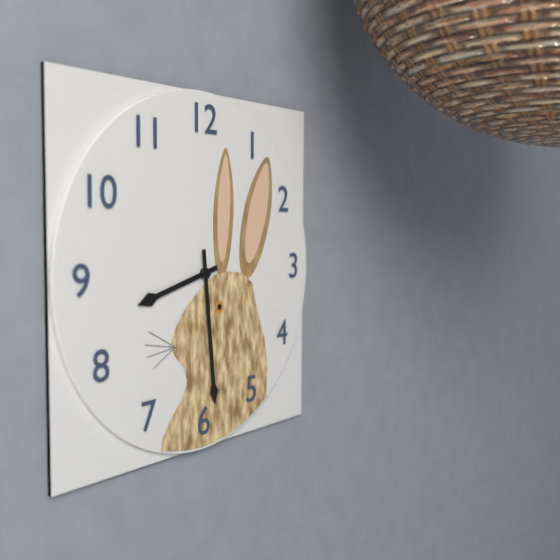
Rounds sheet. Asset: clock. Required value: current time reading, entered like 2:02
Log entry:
8:29
